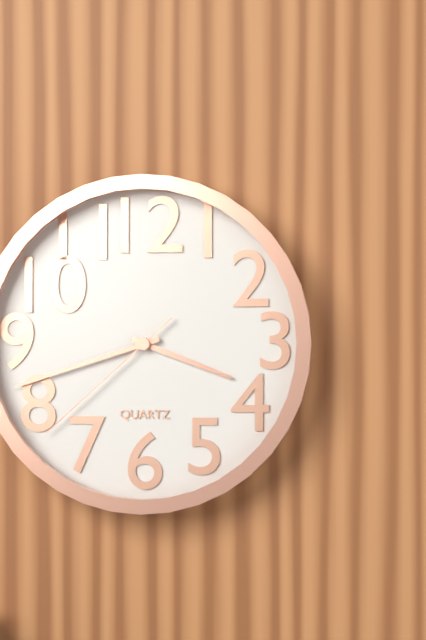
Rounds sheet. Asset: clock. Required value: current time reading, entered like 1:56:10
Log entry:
3:42:38
